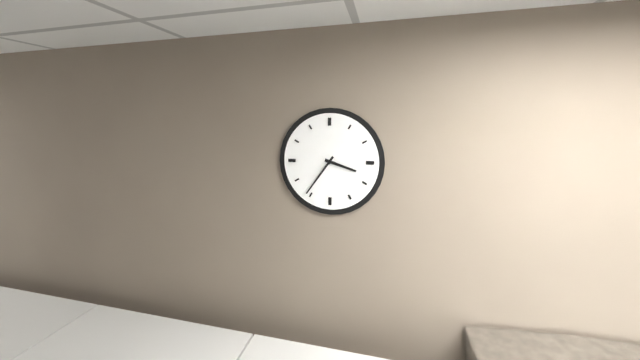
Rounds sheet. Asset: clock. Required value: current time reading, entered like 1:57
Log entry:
3:36
